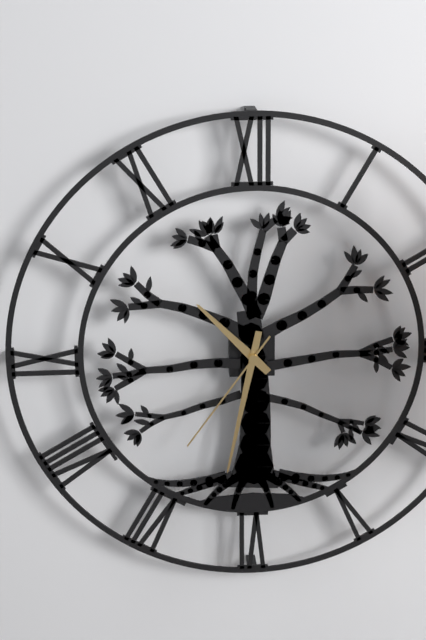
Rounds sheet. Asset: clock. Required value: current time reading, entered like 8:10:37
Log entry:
10:32:36
